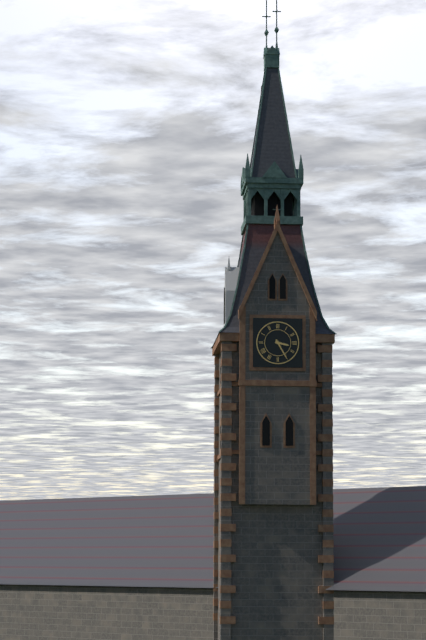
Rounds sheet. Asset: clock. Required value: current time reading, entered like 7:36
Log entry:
3:25
